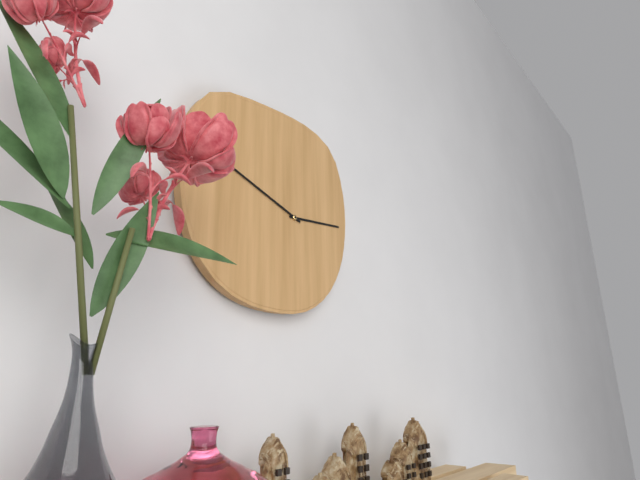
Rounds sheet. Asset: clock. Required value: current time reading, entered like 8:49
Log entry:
2:48
